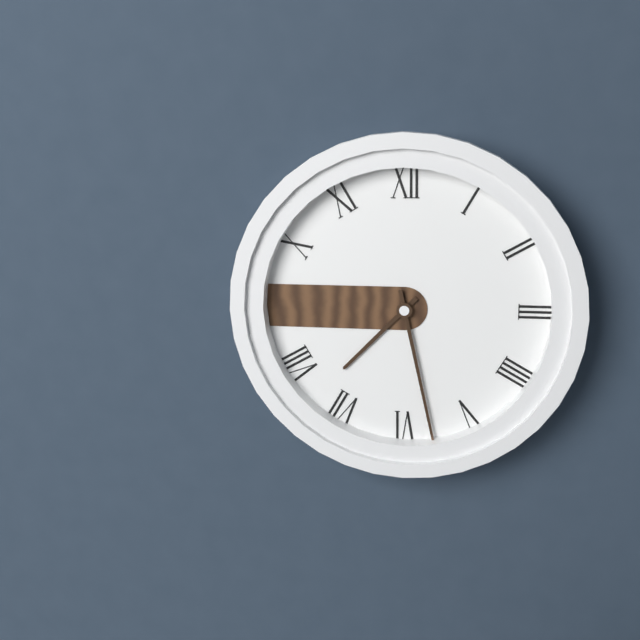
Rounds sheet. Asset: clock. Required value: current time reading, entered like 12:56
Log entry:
7:28
